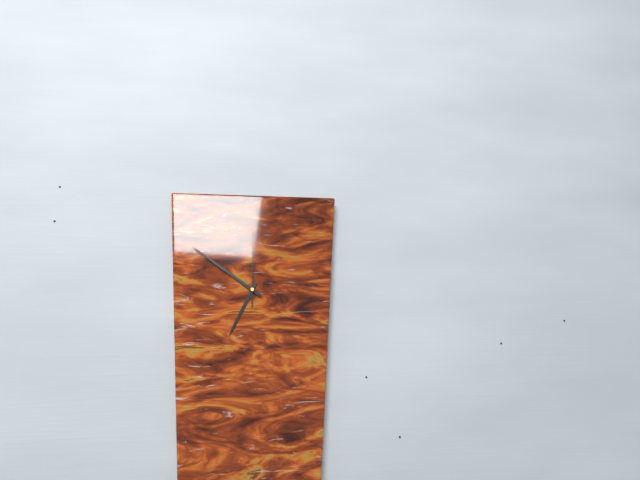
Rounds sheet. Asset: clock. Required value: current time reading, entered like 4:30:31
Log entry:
6:51:00
